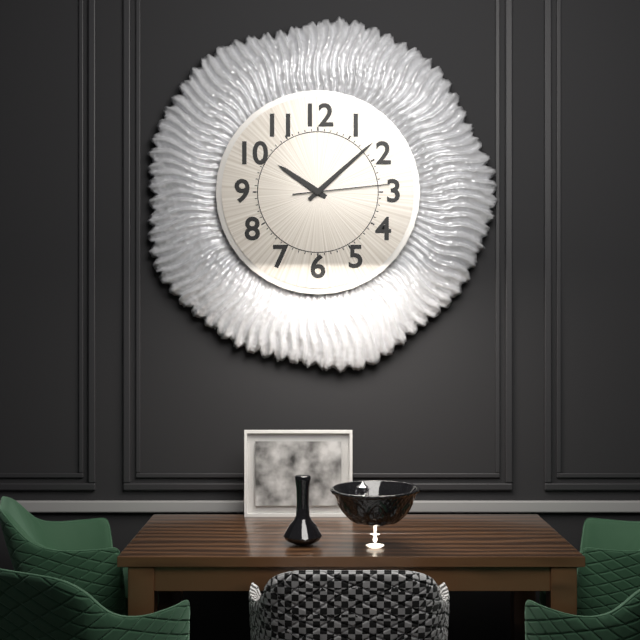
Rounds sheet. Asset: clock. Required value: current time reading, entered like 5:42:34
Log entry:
10:08:14
